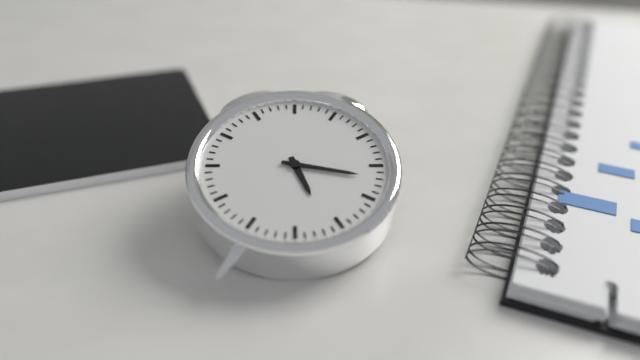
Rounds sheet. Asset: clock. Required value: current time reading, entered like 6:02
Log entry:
5:17
